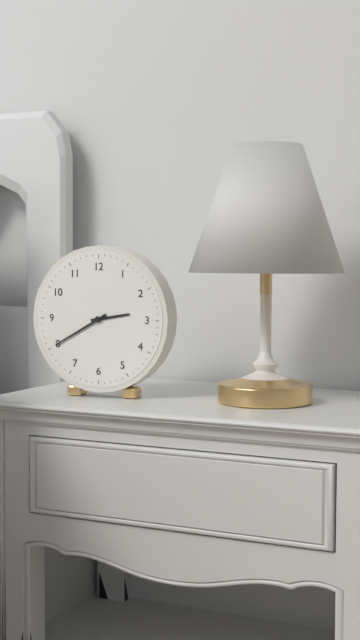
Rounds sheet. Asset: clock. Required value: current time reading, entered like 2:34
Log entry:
2:40
